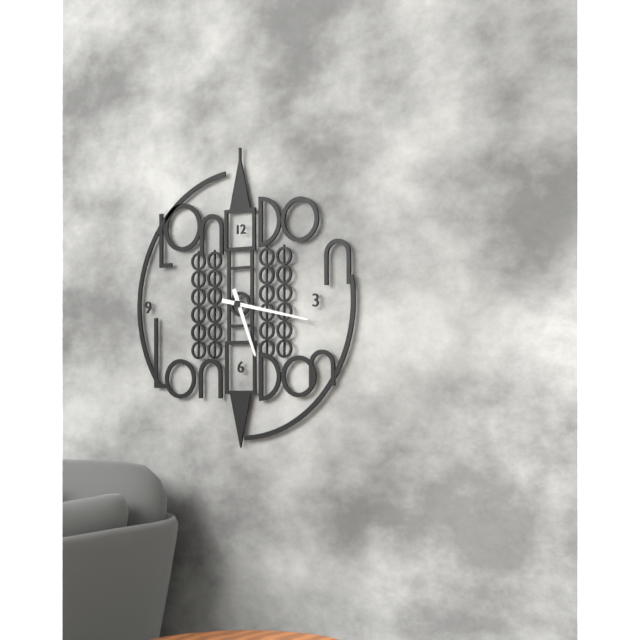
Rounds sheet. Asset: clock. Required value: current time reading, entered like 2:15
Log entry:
5:17
